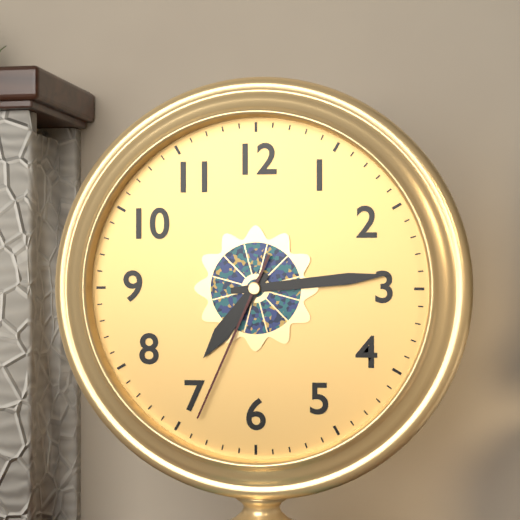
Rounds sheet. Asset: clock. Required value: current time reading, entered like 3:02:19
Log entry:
7:14:34
